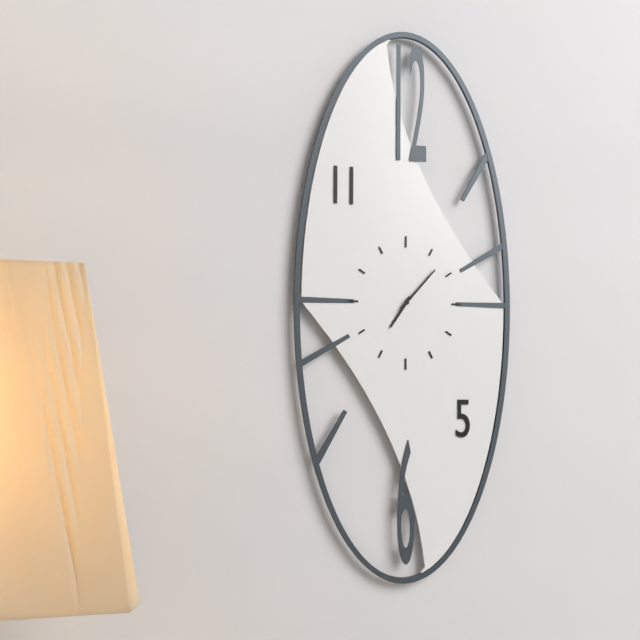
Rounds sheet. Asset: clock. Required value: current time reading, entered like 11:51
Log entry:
7:07
